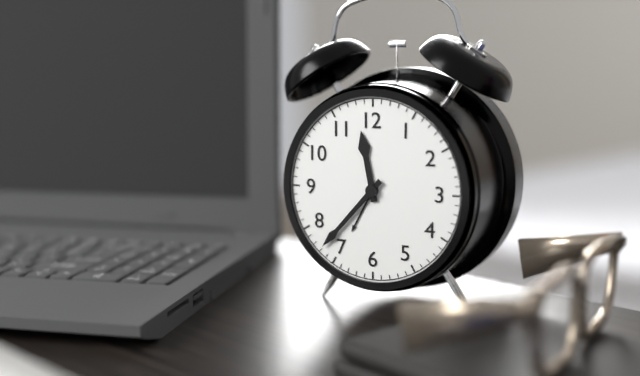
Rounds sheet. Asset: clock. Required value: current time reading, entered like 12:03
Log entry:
11:37
